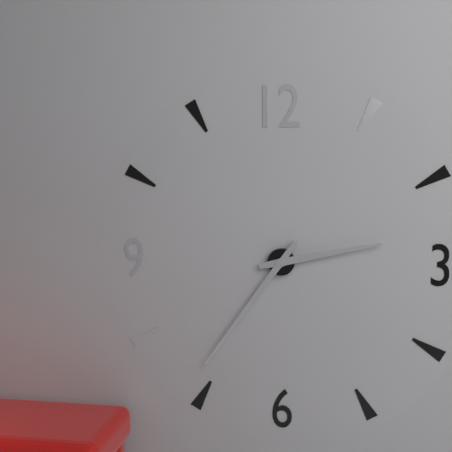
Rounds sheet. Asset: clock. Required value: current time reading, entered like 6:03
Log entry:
2:36
